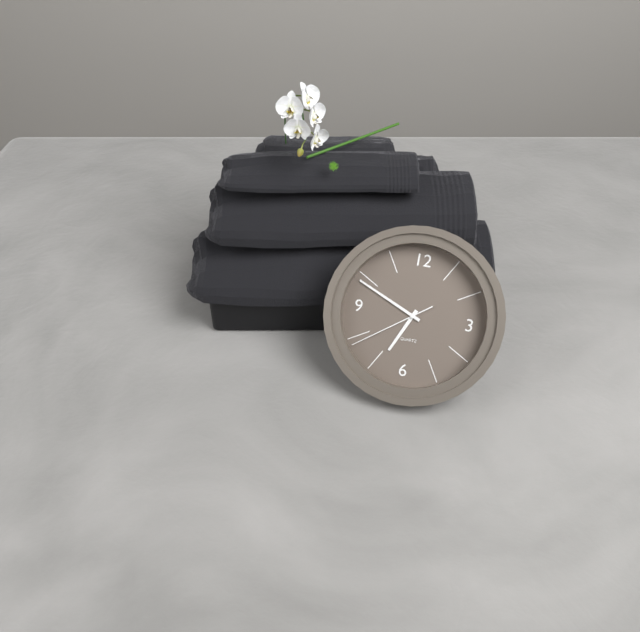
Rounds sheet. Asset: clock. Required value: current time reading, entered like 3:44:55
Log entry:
6:49:39
